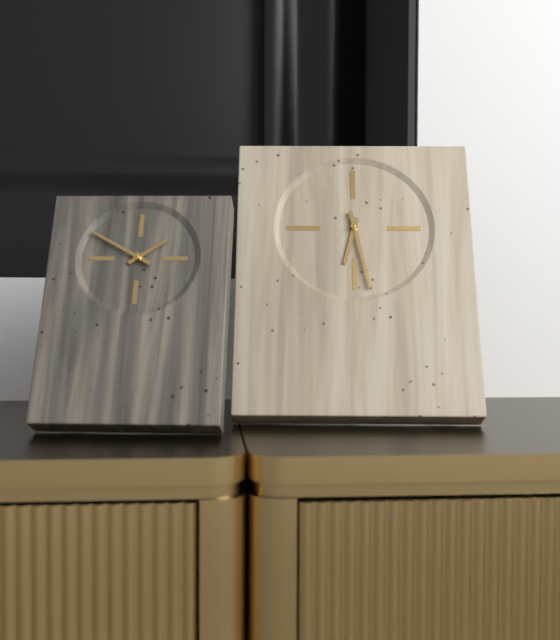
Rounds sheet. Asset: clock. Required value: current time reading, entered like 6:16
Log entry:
6:28
